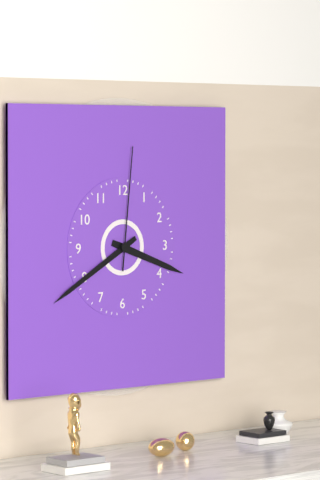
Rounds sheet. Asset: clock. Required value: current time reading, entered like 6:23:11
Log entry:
3:40:01
